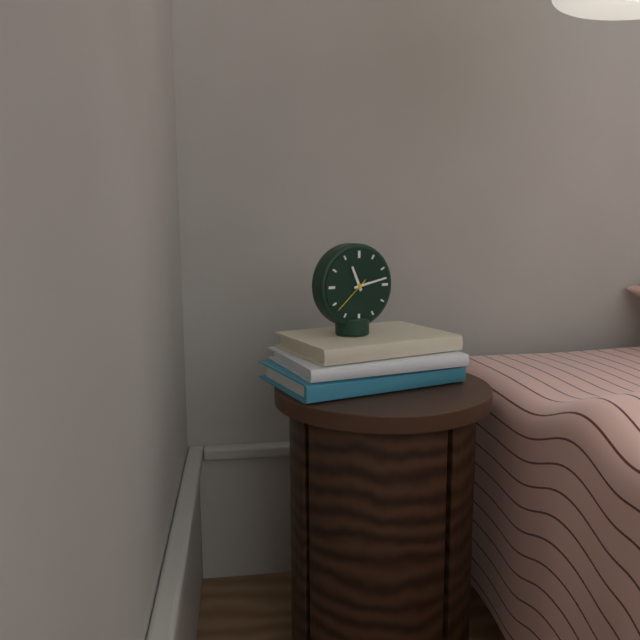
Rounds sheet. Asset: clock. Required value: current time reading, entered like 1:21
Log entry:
11:13
